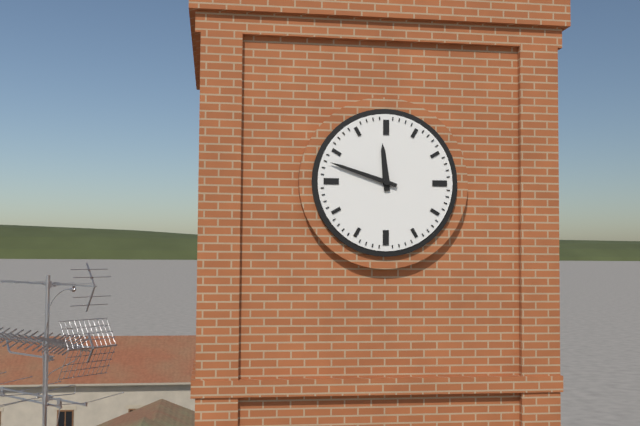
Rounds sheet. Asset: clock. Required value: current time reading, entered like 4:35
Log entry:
11:48
